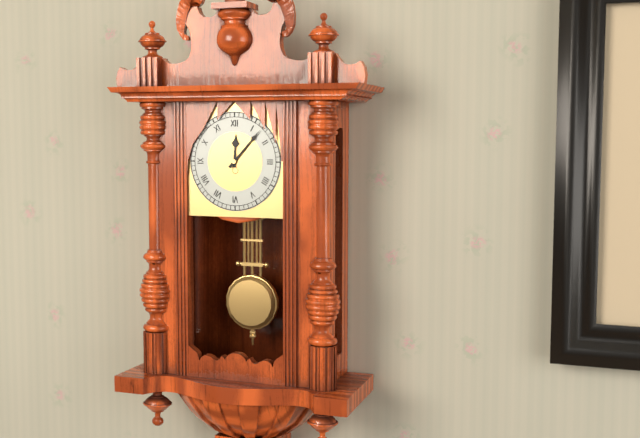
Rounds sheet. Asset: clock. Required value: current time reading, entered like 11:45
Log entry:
12:07
